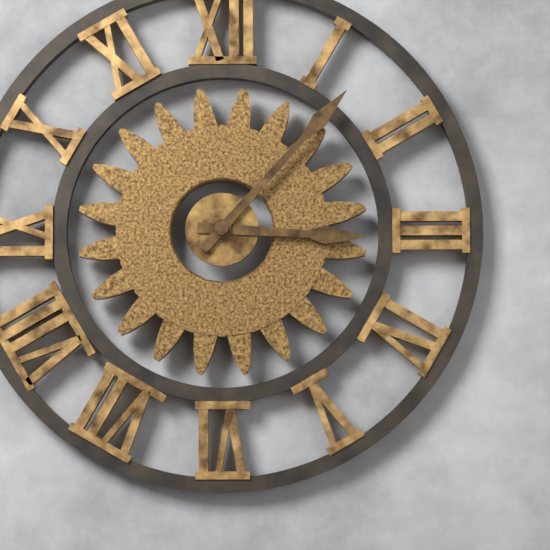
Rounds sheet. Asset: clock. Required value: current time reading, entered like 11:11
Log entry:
3:07
